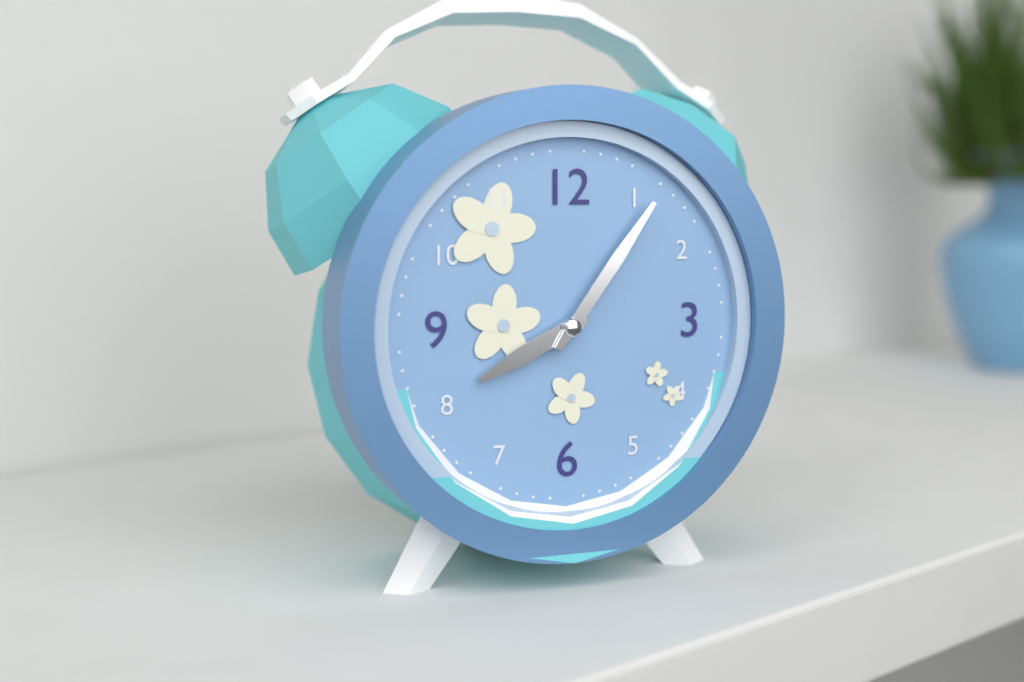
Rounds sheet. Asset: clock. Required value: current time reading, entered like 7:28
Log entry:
8:06
